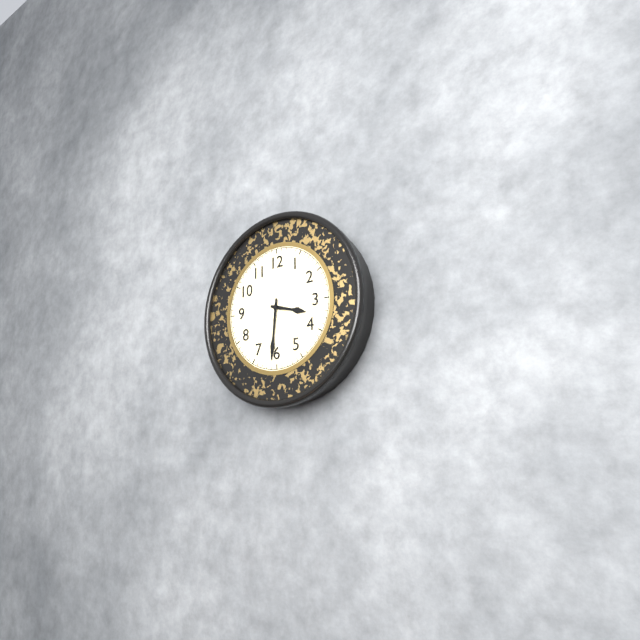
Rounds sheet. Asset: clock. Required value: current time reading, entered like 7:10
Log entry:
3:31
